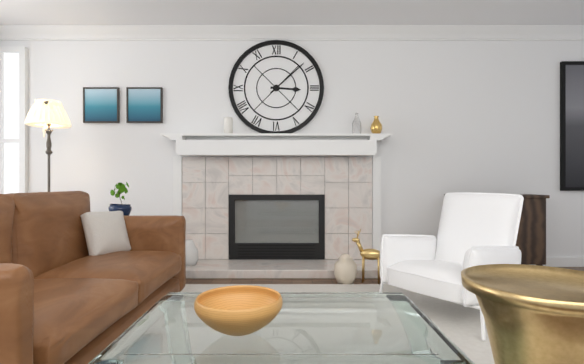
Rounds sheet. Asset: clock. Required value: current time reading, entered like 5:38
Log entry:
3:08
